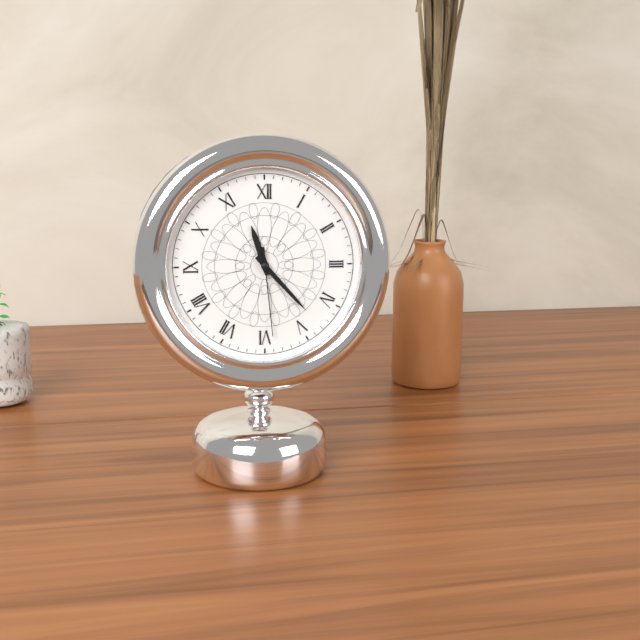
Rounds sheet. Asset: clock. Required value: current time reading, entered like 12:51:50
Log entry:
11:23:29
